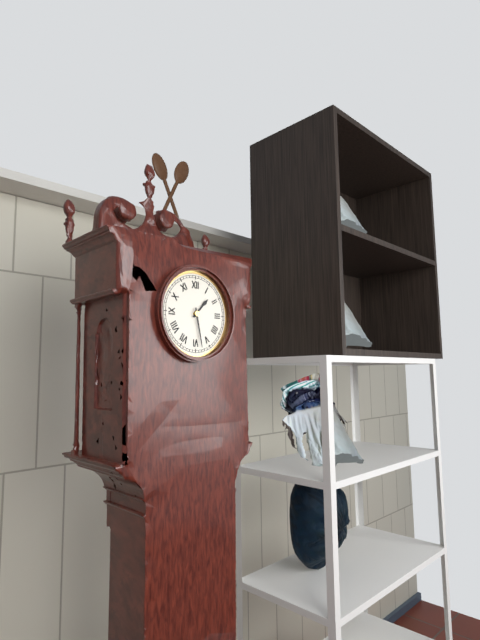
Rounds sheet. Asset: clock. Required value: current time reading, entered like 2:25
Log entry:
1:28
